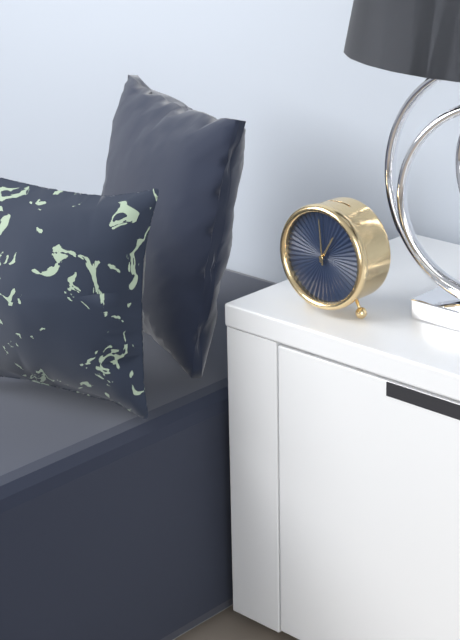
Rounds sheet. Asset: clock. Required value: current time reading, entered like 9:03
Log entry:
12:59
